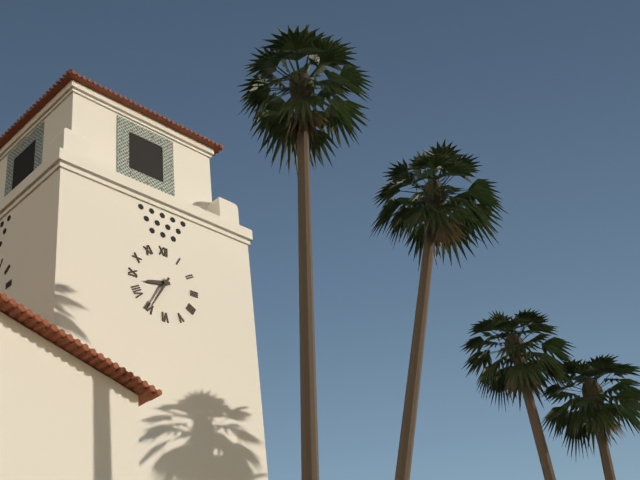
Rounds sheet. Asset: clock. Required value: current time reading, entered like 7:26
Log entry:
8:35
